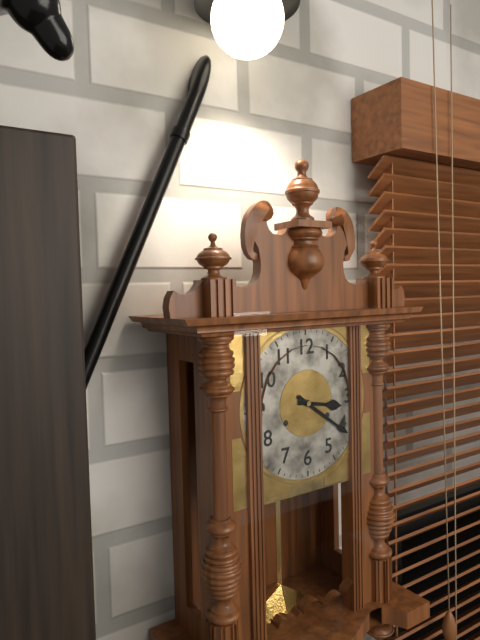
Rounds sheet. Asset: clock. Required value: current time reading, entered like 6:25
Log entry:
3:21
